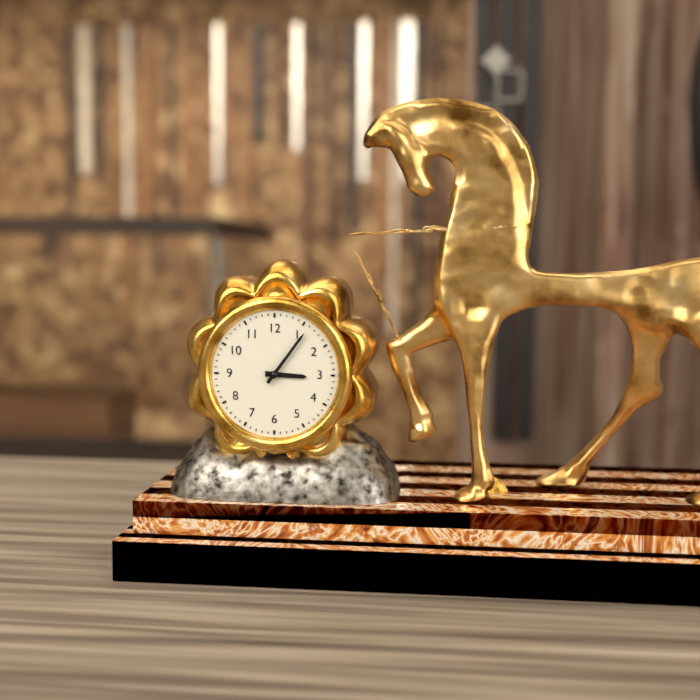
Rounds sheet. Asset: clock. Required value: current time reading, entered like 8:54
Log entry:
3:06
